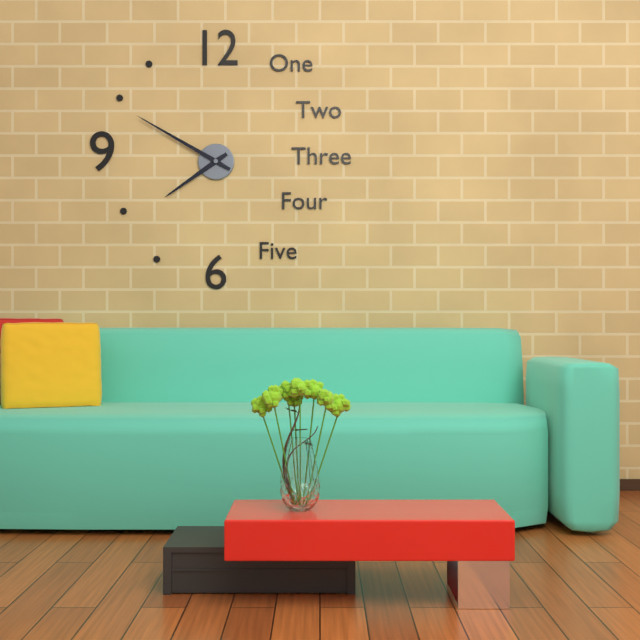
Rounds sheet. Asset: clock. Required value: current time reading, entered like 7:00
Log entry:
7:50
